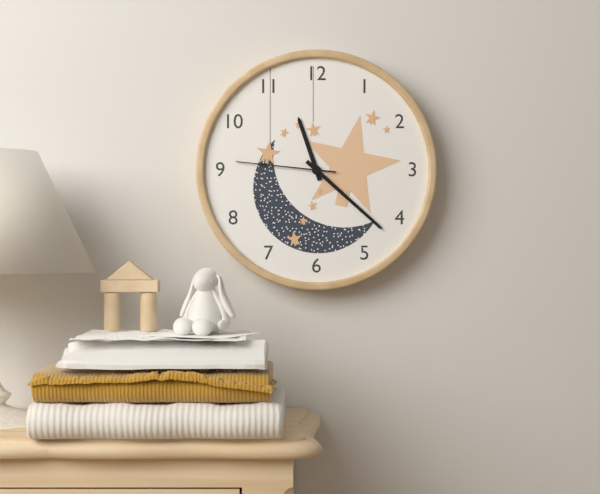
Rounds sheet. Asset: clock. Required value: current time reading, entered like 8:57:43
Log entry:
11:22:46
